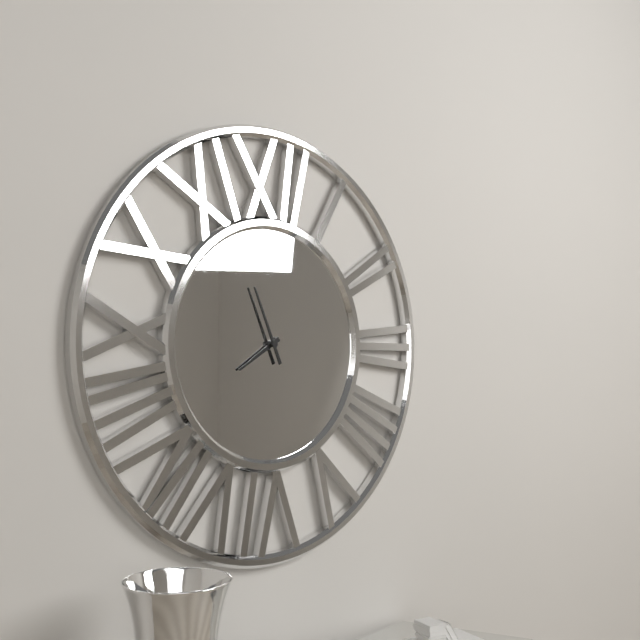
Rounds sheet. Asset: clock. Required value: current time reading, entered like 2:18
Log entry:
7:56
